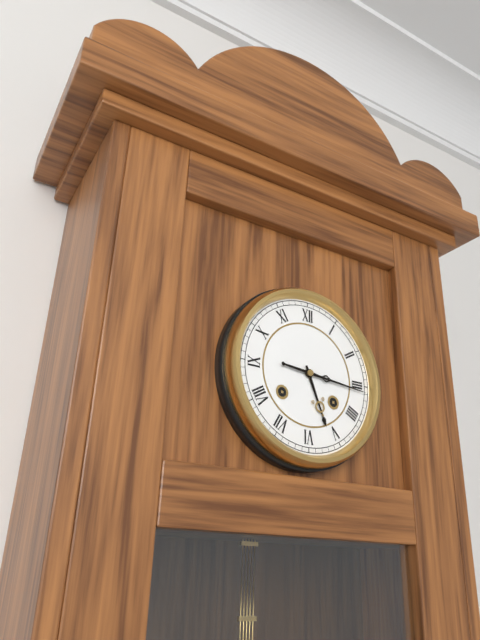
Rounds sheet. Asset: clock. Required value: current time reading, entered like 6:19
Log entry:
5:16
